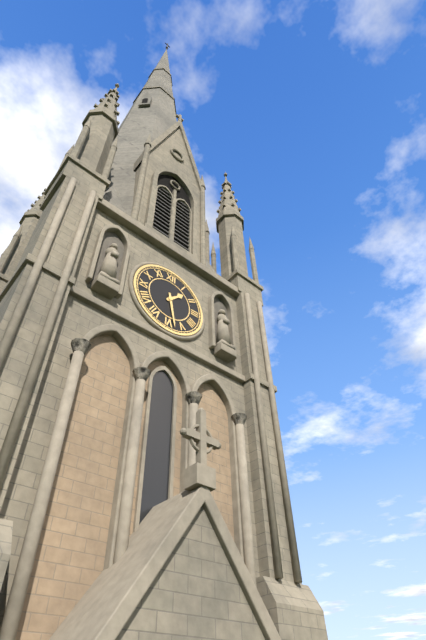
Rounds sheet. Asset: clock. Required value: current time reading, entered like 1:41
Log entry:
1:28
